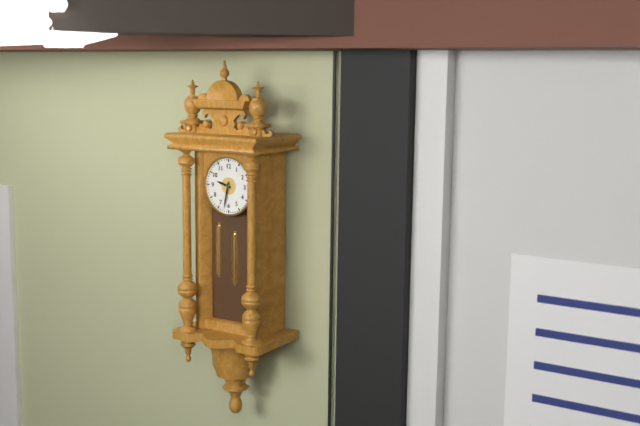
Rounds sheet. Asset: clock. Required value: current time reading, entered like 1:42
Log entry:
9:32
